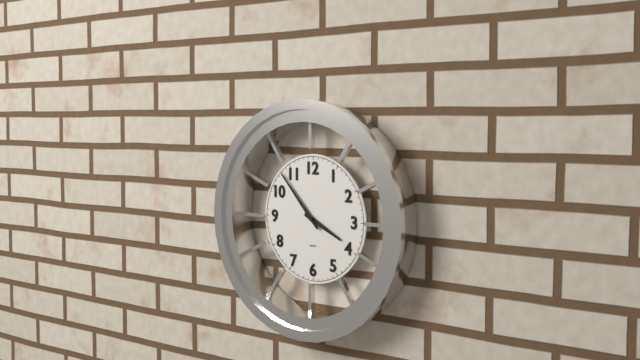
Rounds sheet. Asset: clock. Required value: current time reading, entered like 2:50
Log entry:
3:53
